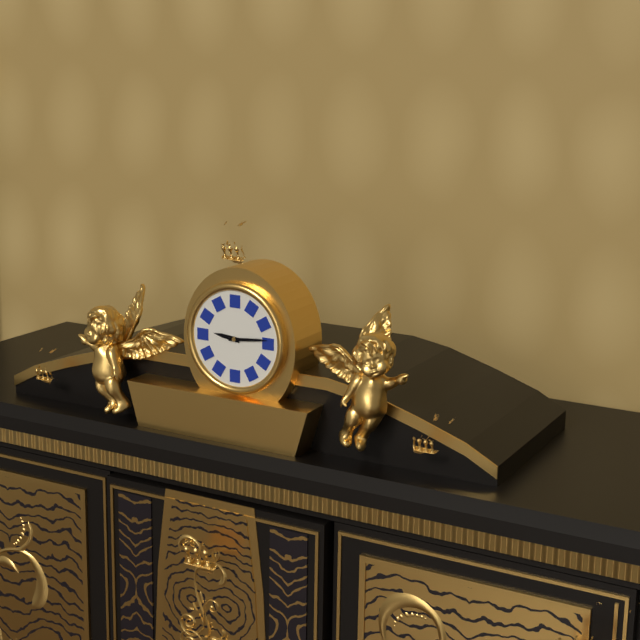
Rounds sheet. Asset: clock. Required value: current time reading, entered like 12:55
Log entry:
9:14
